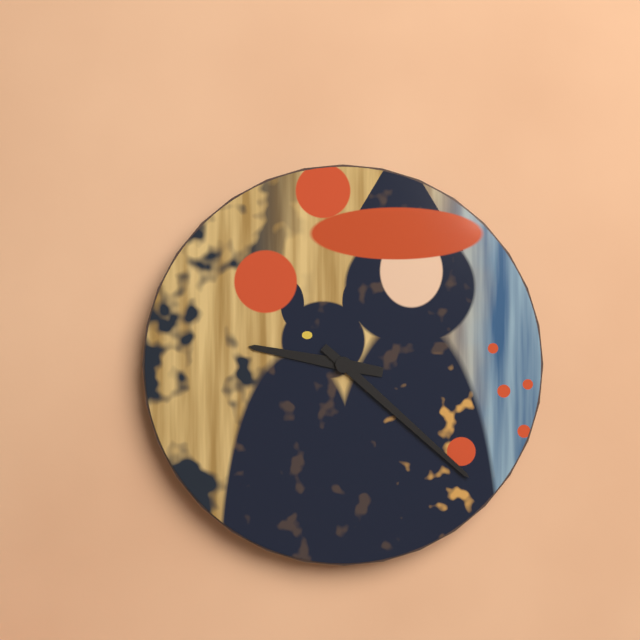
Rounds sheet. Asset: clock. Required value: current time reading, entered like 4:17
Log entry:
9:22
